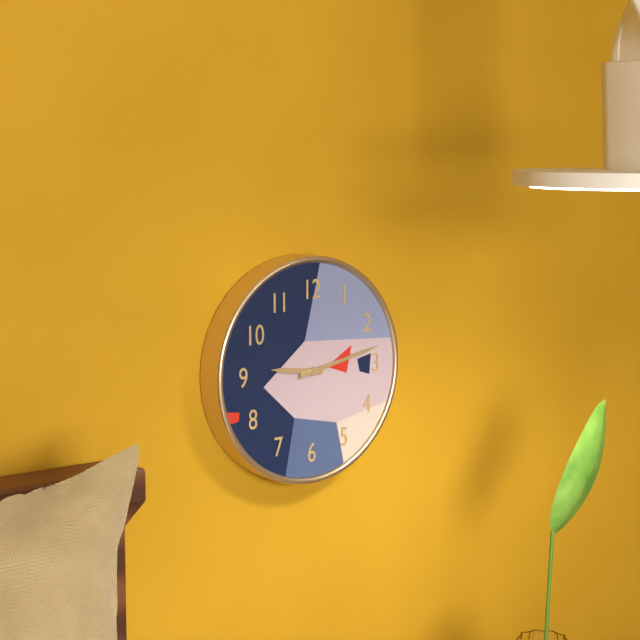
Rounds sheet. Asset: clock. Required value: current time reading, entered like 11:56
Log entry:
9:13
